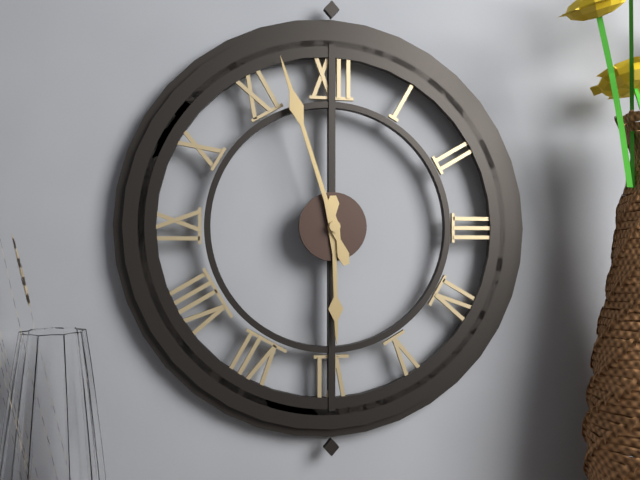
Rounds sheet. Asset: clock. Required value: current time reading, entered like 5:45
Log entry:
5:57
